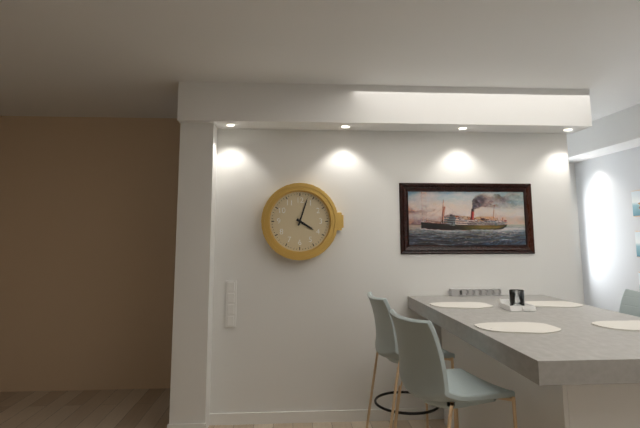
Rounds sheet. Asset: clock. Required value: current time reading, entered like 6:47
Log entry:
4:03
